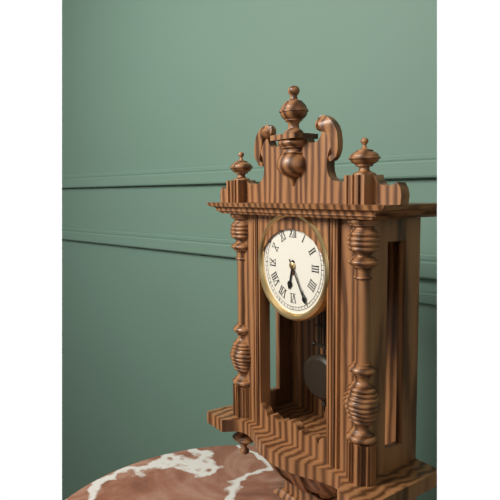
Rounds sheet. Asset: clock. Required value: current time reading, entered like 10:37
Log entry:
6:25
